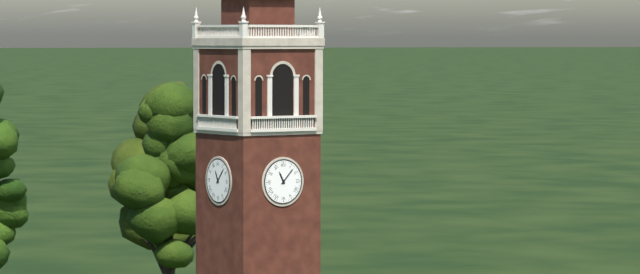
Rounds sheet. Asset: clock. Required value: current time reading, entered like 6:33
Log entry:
11:07
